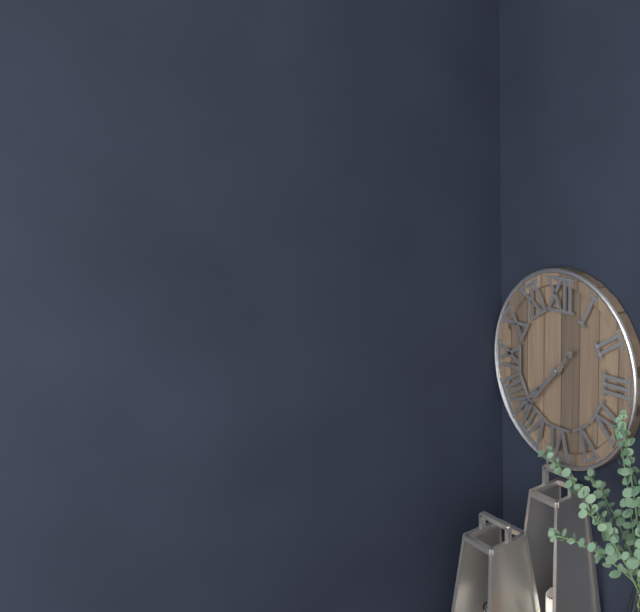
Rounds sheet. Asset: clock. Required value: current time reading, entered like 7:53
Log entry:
7:37
